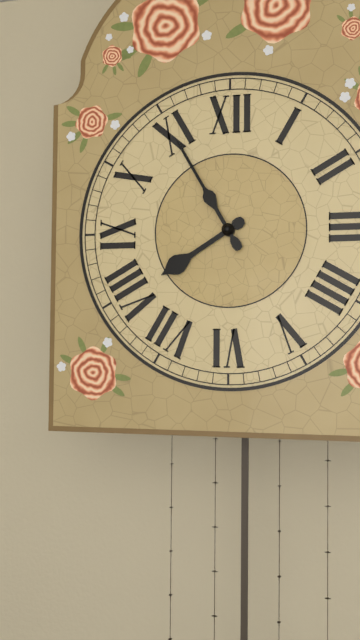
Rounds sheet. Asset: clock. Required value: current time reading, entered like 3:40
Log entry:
7:55
